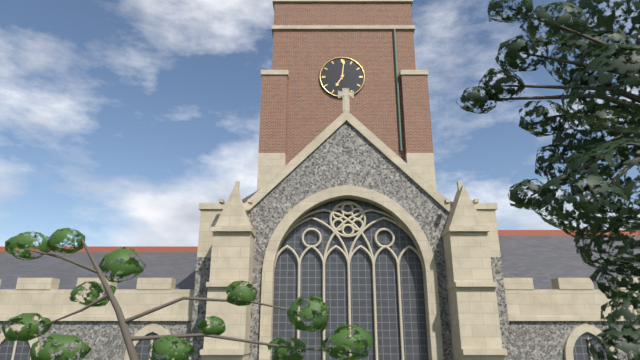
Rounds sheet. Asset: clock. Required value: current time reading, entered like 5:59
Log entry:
7:01
